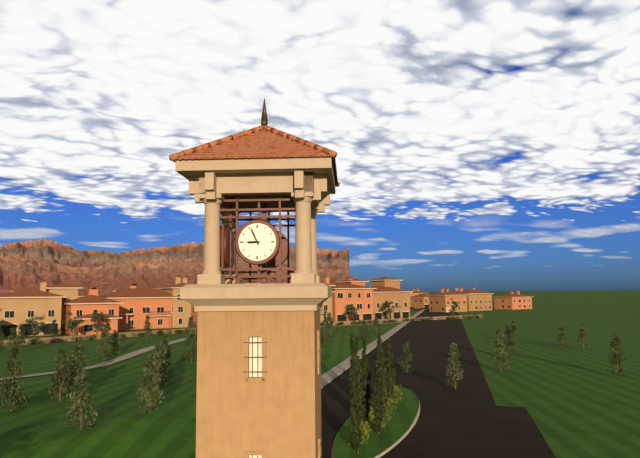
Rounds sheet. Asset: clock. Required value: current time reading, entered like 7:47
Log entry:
8:56
